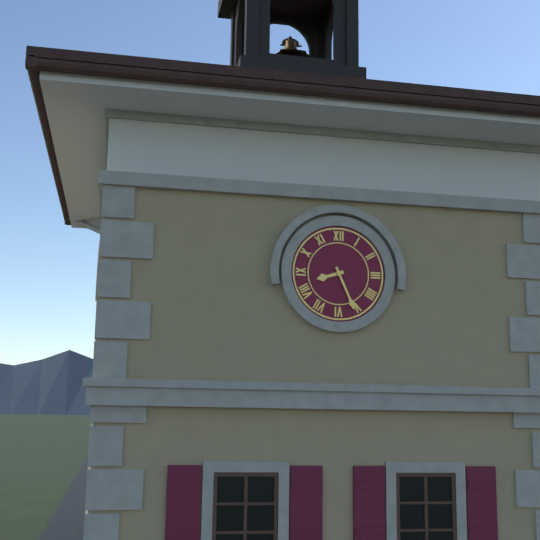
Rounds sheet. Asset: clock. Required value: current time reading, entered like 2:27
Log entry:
8:26
